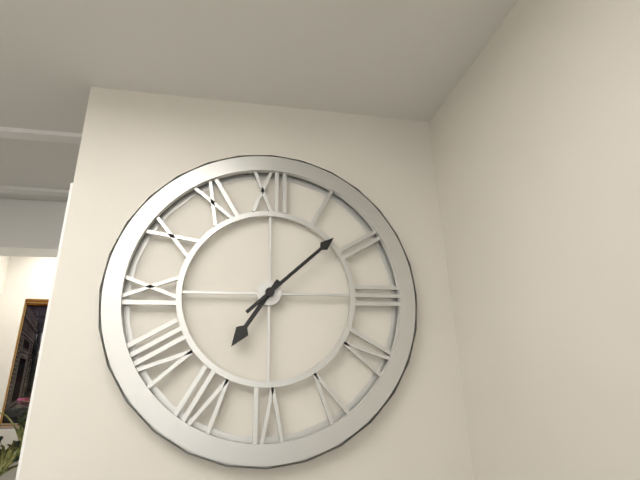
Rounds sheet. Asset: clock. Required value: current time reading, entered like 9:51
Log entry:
7:08
